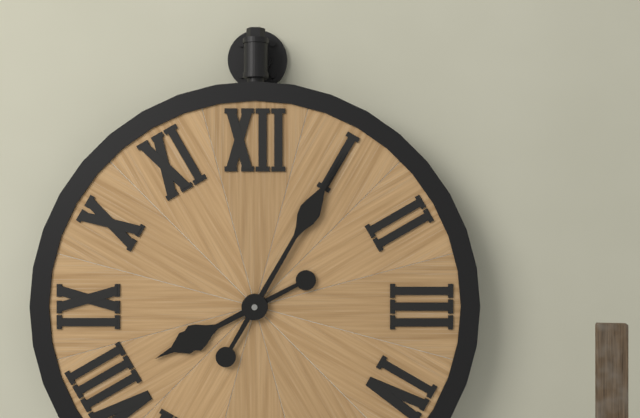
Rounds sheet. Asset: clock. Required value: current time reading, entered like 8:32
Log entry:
8:05
